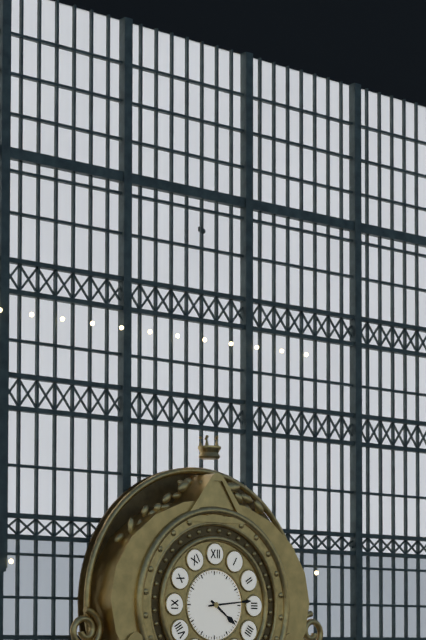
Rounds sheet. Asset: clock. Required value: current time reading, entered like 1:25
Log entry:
4:14
